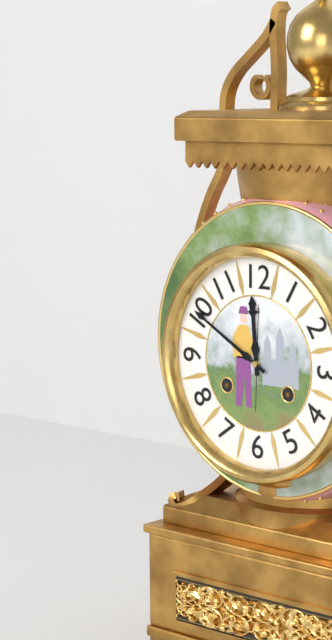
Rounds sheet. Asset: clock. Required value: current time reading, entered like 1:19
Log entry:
11:50
